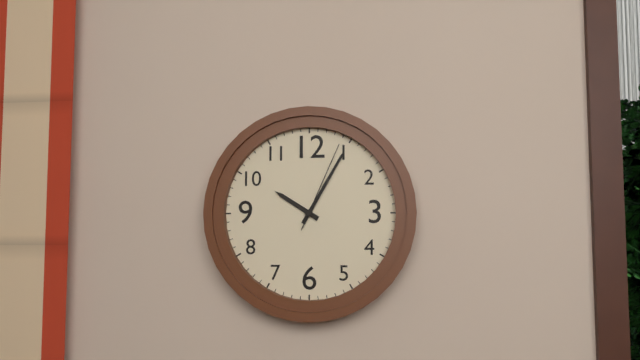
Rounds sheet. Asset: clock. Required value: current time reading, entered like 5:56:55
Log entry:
10:05:04
